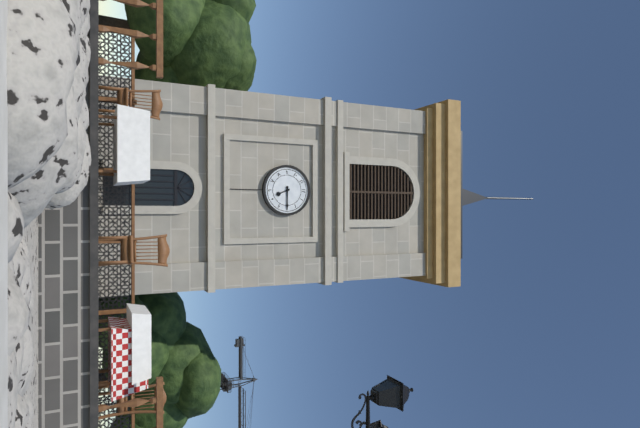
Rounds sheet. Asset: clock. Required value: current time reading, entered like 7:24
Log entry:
5:15
